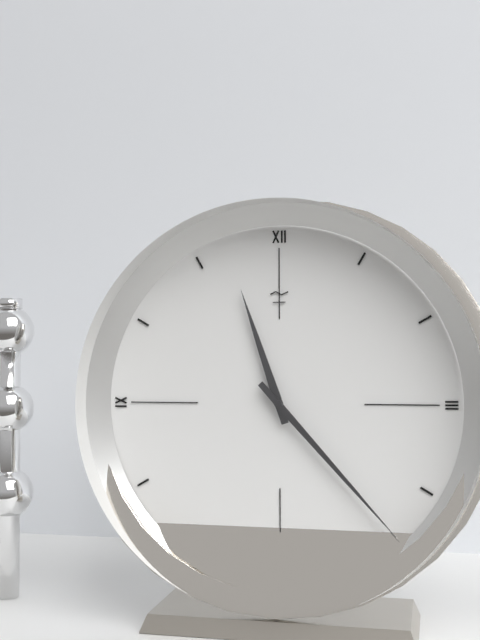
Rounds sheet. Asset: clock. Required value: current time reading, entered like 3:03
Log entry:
11:23
